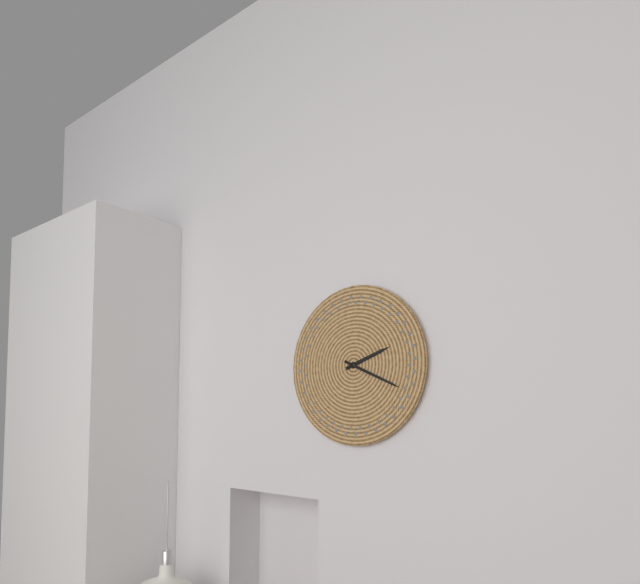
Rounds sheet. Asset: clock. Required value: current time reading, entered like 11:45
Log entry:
2:19
